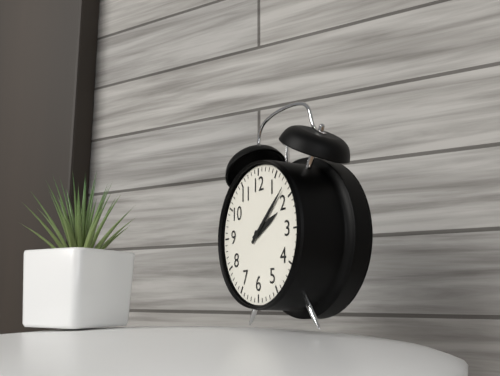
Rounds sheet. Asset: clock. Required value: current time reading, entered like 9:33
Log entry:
2:08
